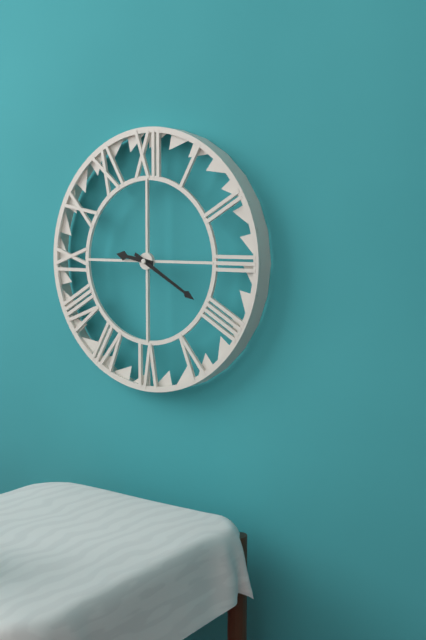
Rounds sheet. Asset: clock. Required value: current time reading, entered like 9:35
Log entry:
9:20
